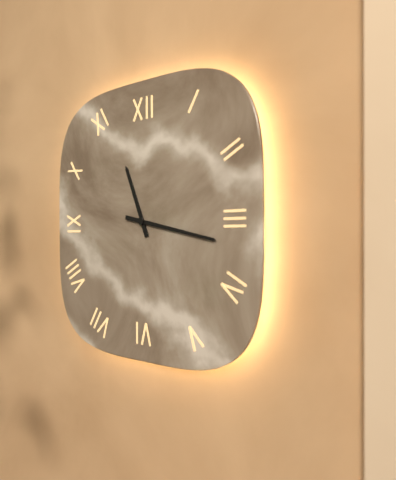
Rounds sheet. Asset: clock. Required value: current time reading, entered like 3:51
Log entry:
11:17
